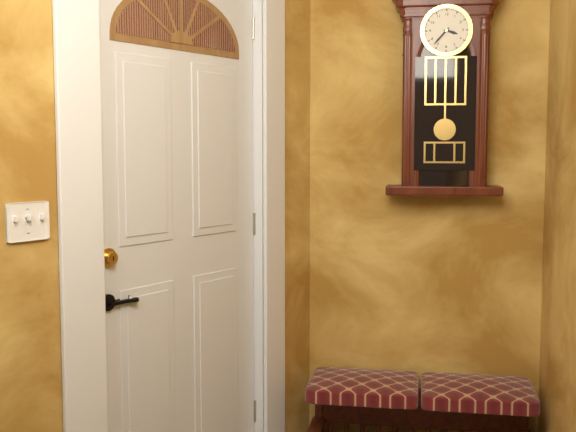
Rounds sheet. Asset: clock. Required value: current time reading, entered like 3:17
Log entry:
3:37
